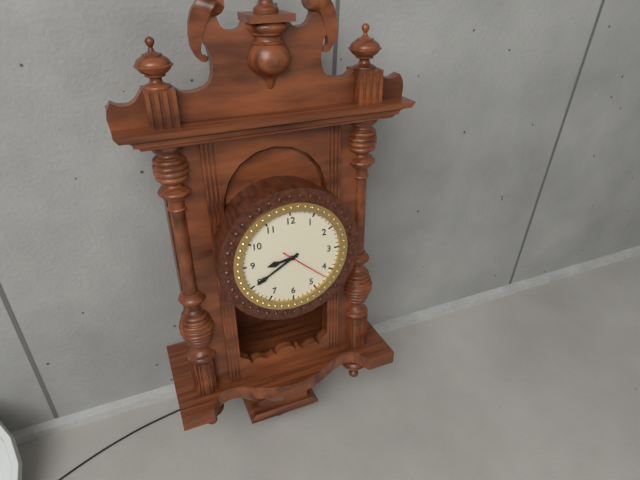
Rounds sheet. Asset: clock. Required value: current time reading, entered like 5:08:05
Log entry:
8:40:22
